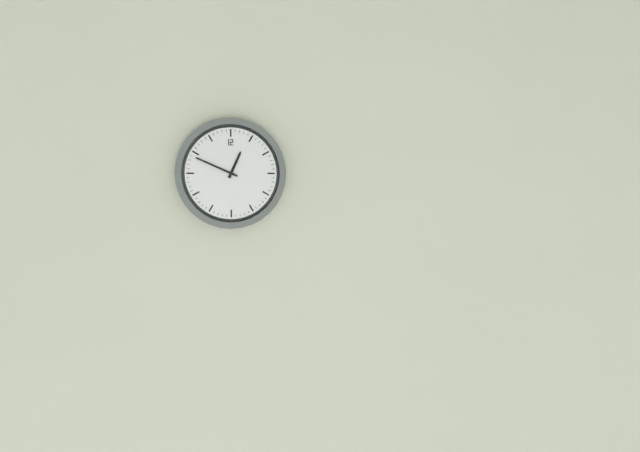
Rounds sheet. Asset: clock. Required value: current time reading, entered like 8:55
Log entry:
12:49
